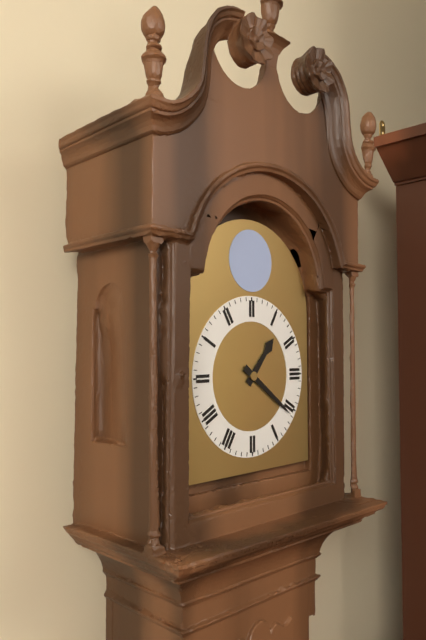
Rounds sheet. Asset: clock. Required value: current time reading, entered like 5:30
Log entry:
1:21
